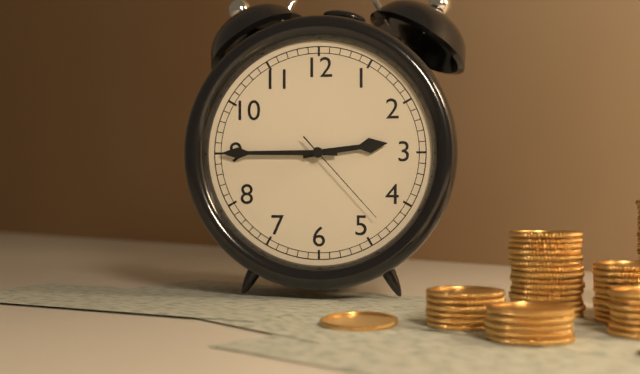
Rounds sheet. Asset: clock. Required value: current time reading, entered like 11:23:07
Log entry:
2:45:23
